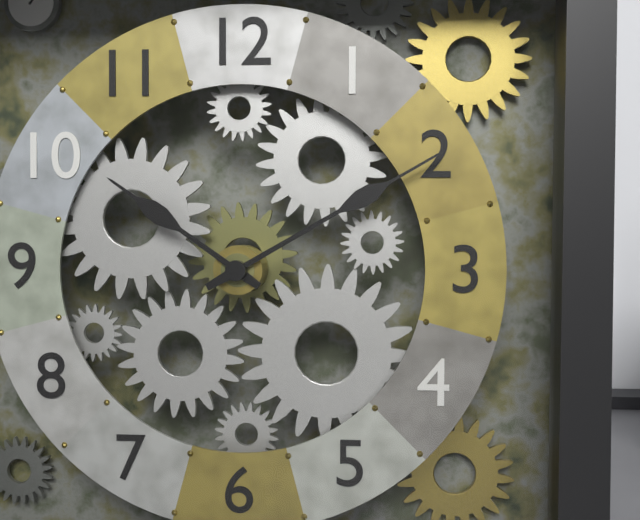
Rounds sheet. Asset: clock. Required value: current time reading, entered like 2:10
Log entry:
10:10
